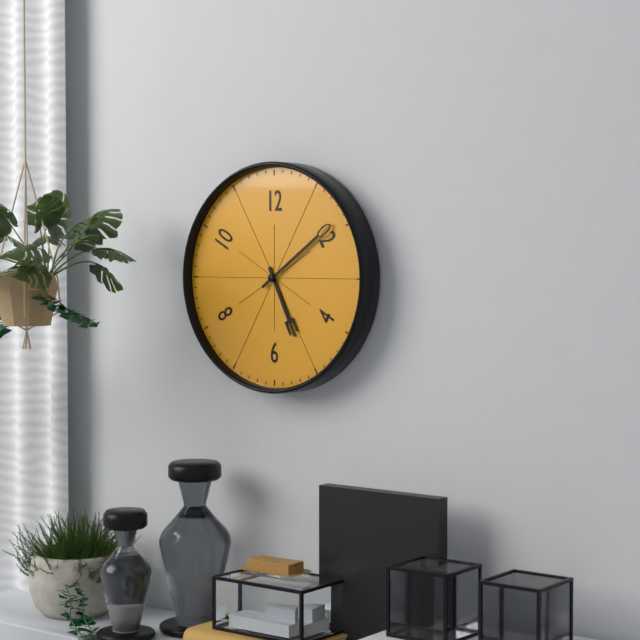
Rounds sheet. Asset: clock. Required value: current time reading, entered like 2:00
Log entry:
5:09
